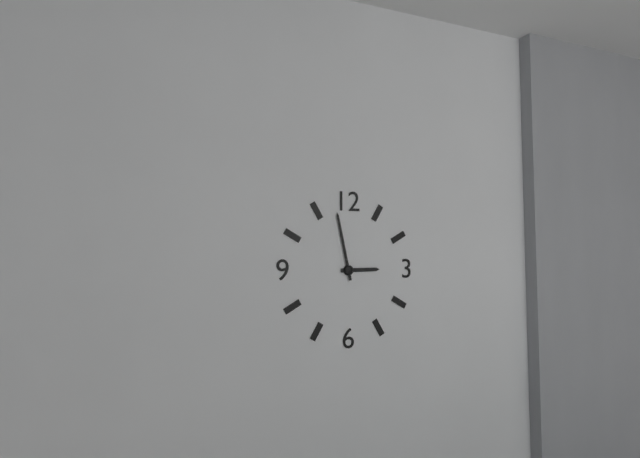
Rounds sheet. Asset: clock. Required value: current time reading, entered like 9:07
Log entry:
2:58
